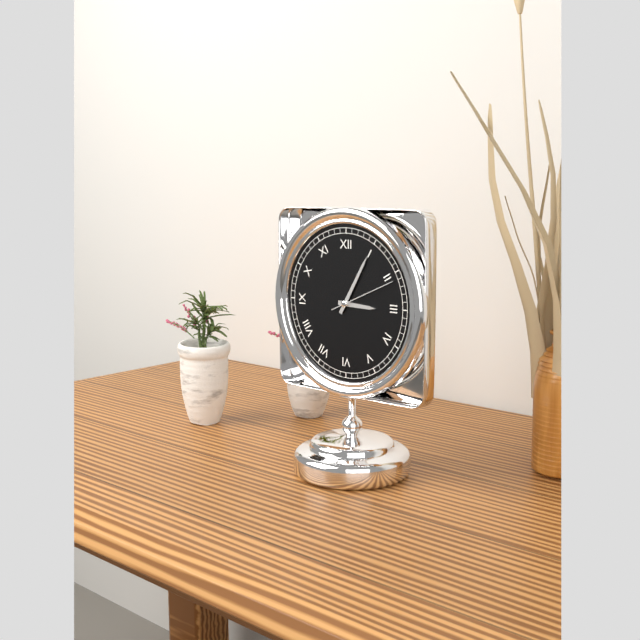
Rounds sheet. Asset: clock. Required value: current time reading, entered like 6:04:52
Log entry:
3:05:11
